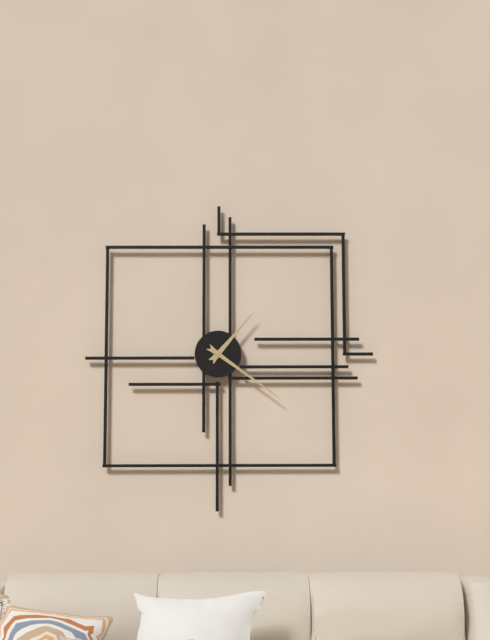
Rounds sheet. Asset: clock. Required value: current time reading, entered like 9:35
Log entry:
1:21
